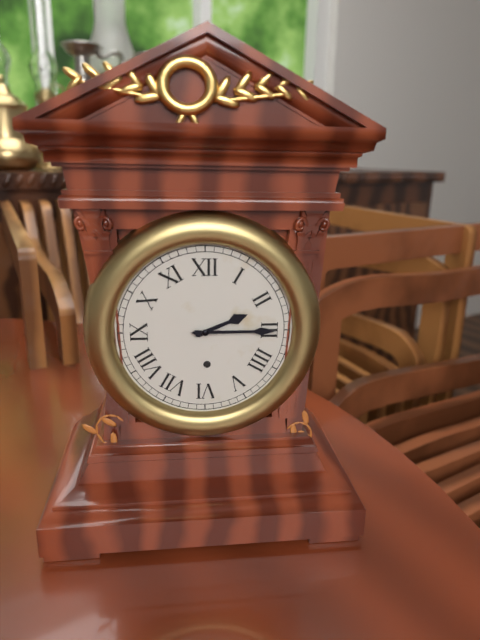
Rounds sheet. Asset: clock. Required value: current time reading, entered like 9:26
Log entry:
2:15
